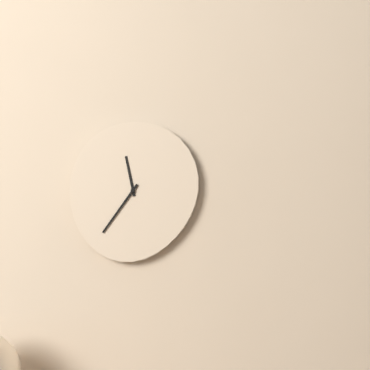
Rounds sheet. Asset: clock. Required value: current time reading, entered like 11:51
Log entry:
11:36
